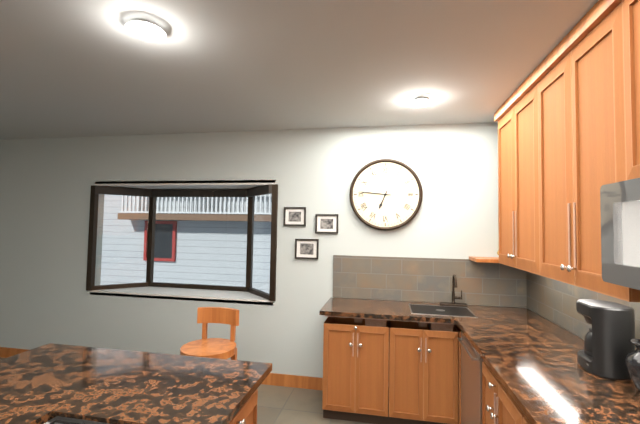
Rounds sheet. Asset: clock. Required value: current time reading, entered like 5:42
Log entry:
6:46
